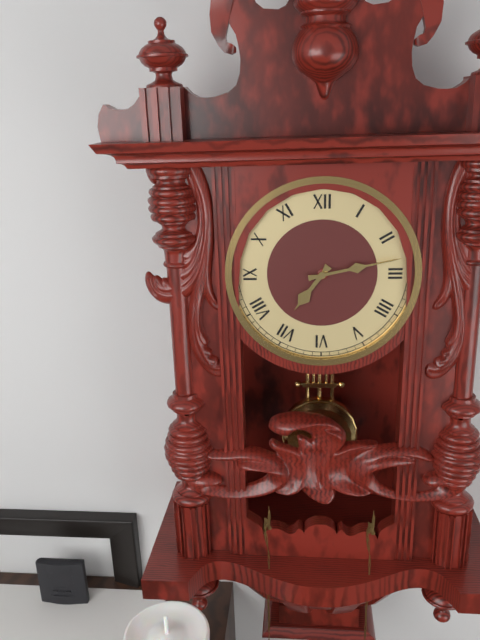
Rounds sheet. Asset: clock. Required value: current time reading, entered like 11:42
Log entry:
7:13
